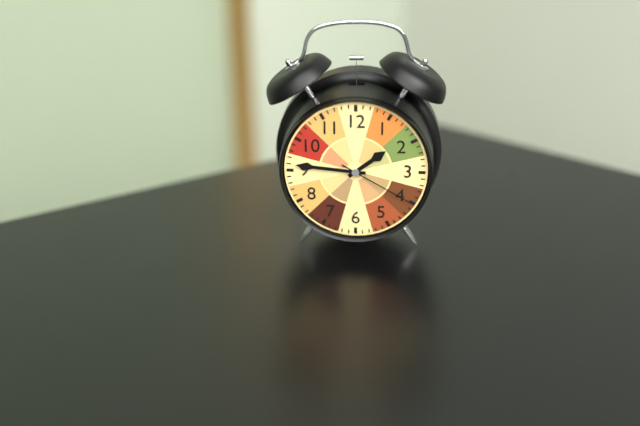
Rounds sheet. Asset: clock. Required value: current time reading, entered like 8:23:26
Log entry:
1:46:20
